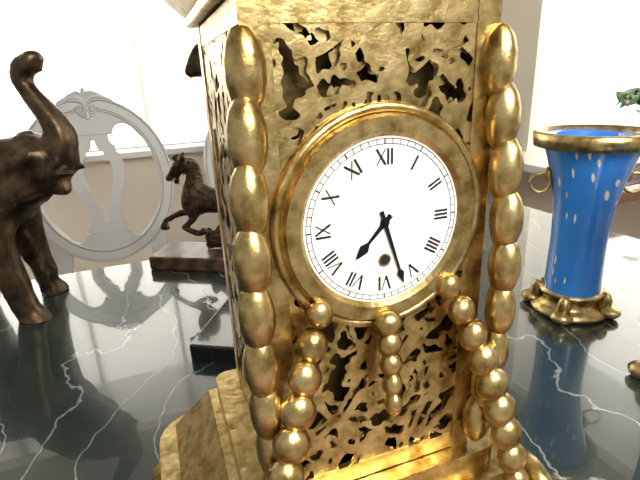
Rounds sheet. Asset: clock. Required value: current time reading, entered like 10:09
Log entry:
7:27
